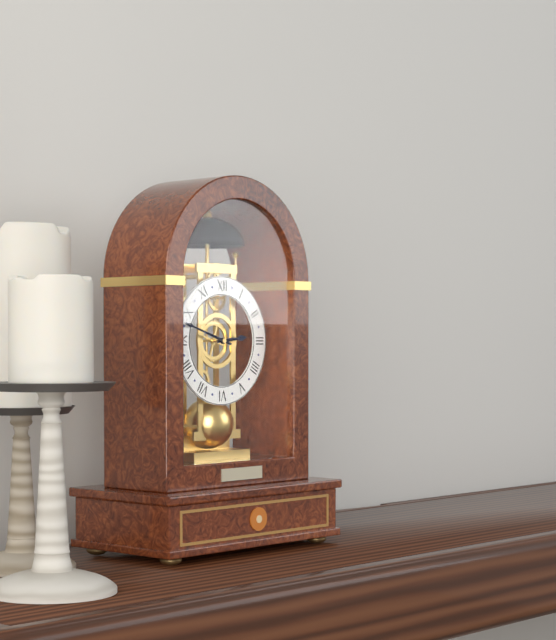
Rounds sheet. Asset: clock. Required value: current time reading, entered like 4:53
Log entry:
2:48
